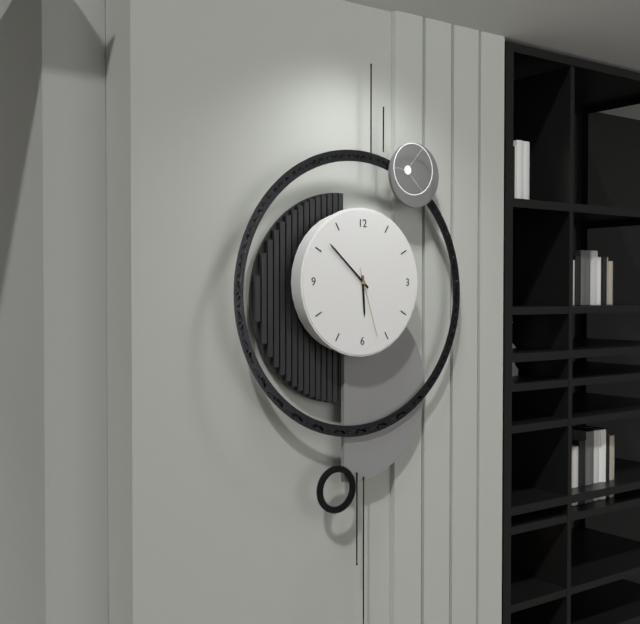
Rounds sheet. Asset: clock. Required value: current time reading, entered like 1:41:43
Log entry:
5:52:27
